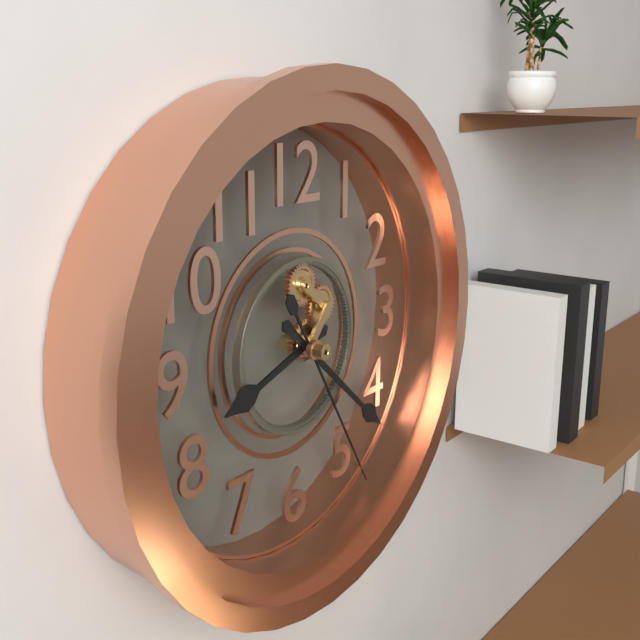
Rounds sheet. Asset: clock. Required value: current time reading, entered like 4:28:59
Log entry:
8:22:25
